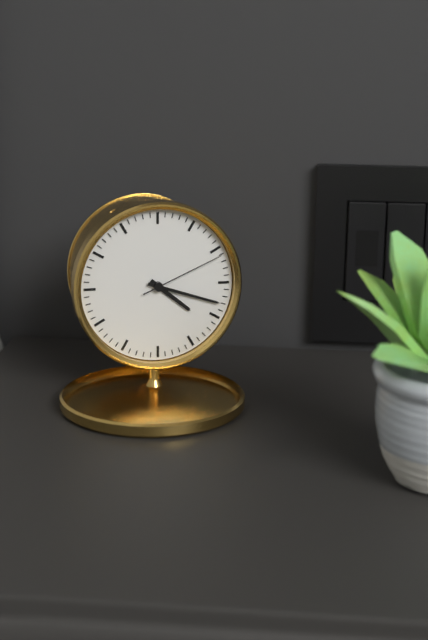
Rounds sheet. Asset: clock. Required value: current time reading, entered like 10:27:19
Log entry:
4:18:11
